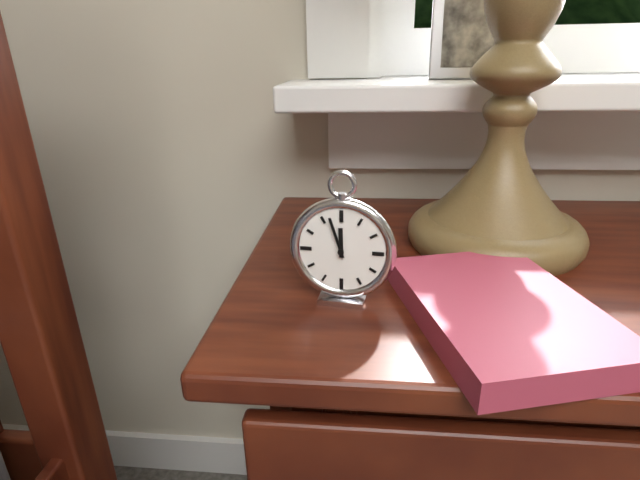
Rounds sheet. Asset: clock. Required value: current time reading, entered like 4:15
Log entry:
11:57
